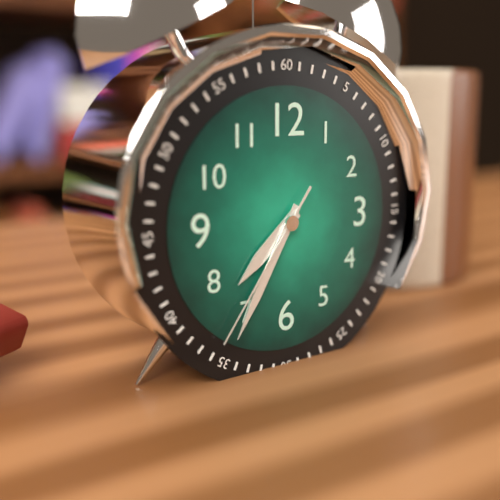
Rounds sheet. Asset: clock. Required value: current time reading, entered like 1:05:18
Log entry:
7:35:36
